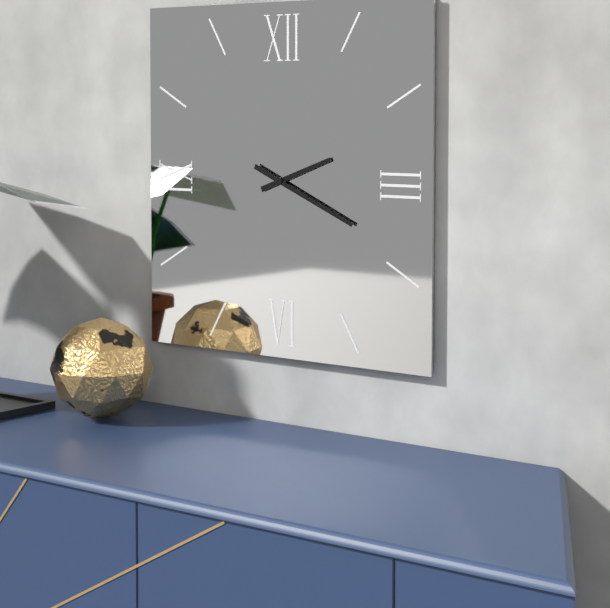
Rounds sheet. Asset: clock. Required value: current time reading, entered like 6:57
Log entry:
2:19
